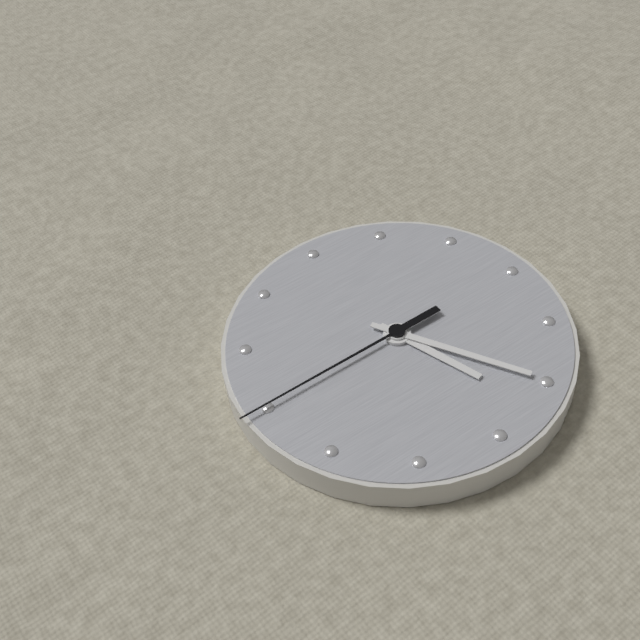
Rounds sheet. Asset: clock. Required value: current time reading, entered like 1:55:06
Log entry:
5:25:45
